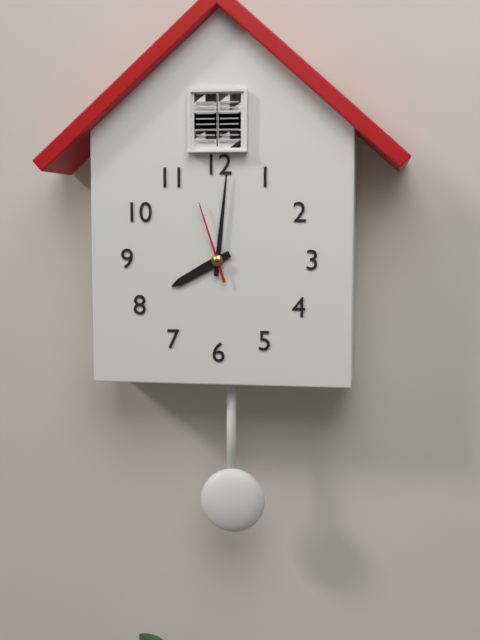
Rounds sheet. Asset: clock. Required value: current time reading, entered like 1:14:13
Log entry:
8:01:57
